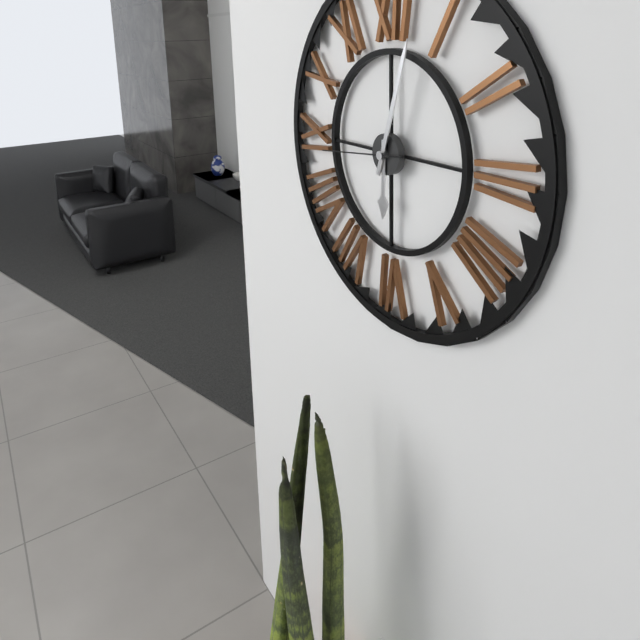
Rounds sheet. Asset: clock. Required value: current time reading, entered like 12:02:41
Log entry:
6:03:44
